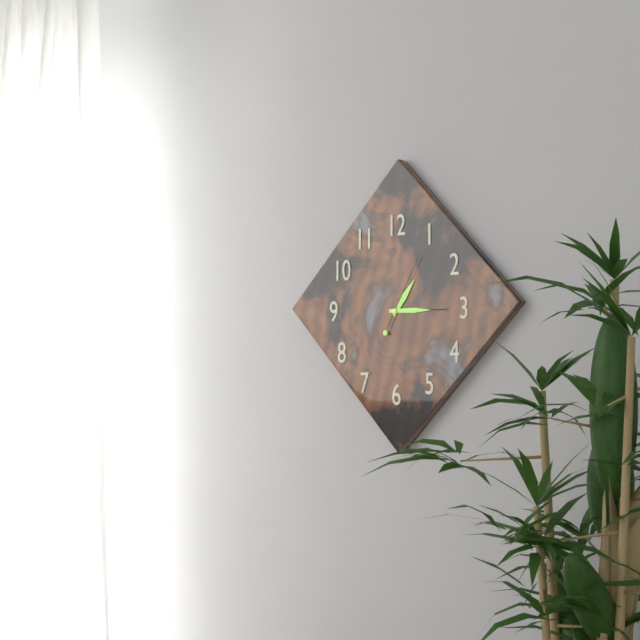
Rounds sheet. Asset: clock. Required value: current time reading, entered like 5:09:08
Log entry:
1:15:05
